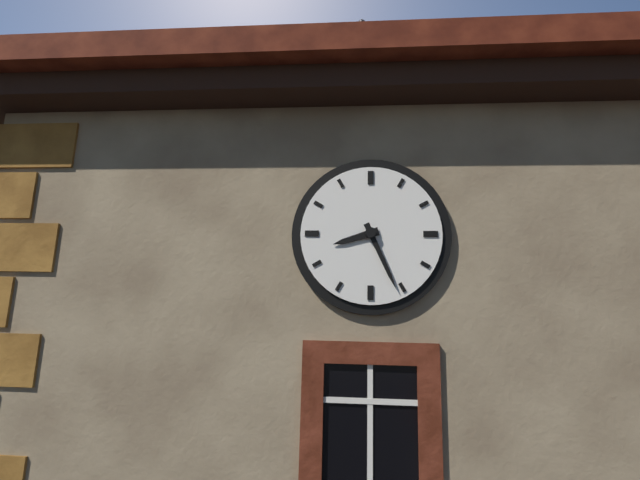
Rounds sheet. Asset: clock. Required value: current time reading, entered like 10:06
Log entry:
8:26
